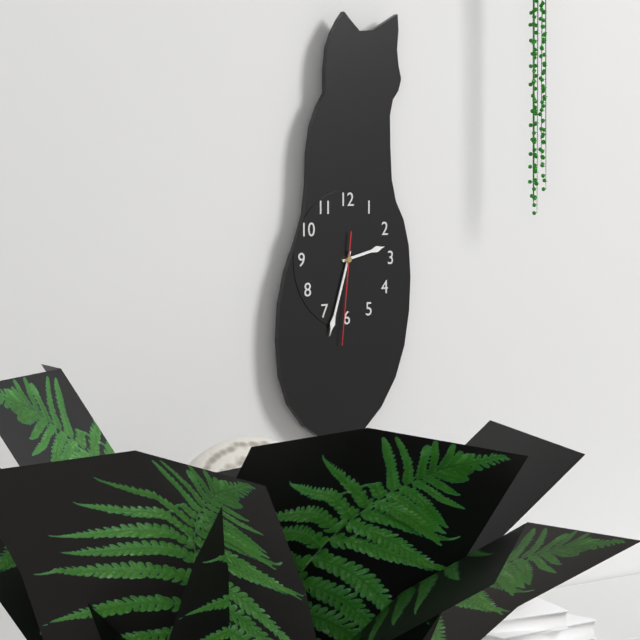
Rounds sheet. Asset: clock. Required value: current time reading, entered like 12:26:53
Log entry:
2:33:31
